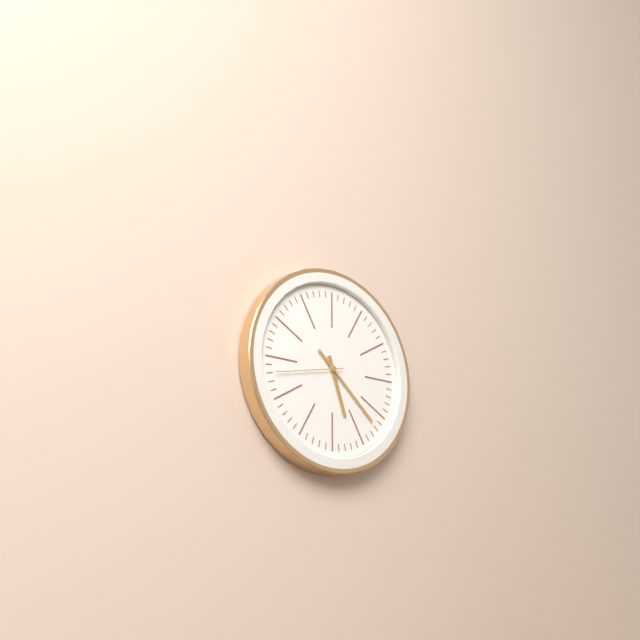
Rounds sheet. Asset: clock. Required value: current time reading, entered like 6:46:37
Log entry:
5:22:43
